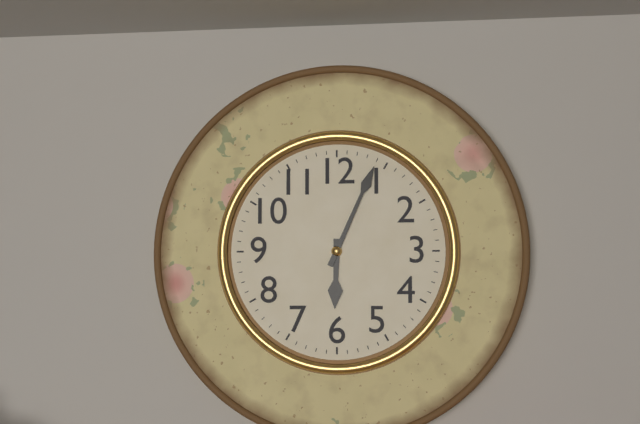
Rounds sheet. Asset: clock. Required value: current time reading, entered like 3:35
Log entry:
6:04
